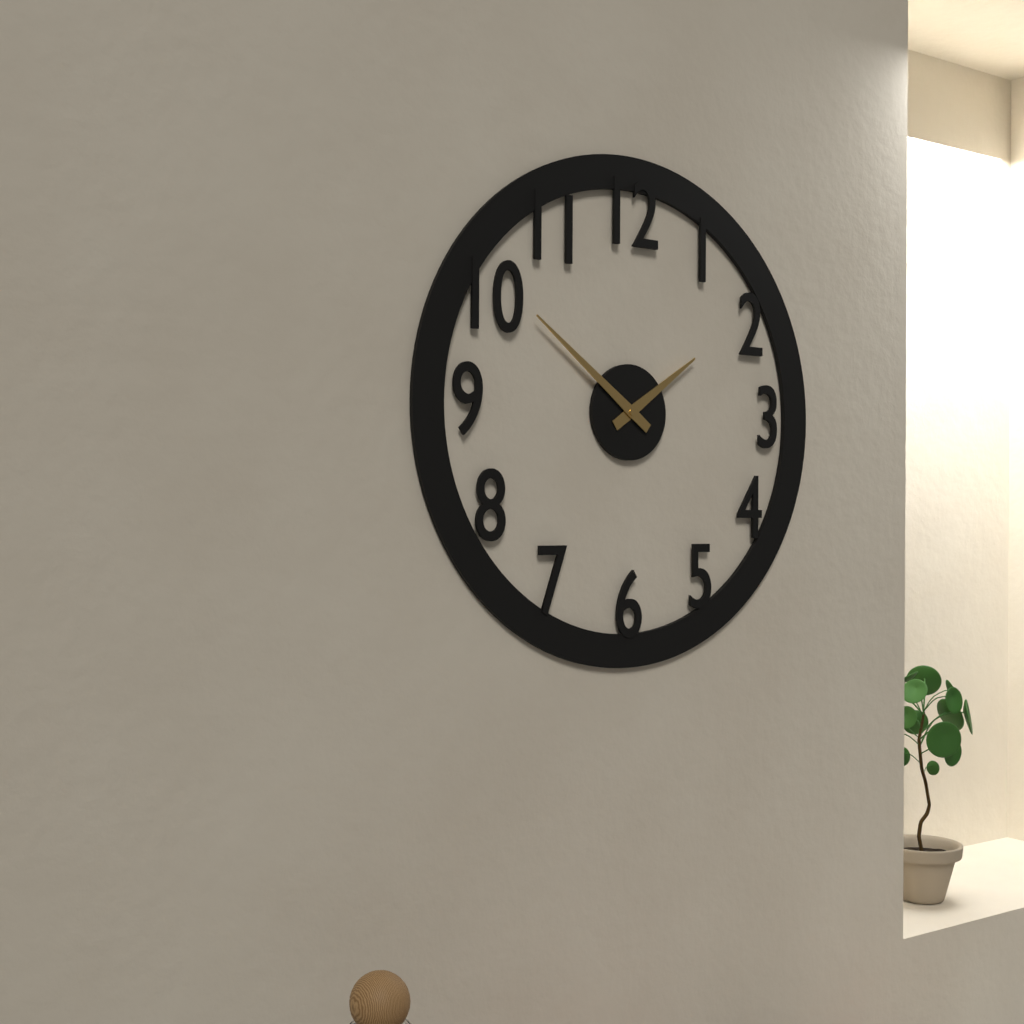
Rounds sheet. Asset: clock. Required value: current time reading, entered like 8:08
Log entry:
1:51
